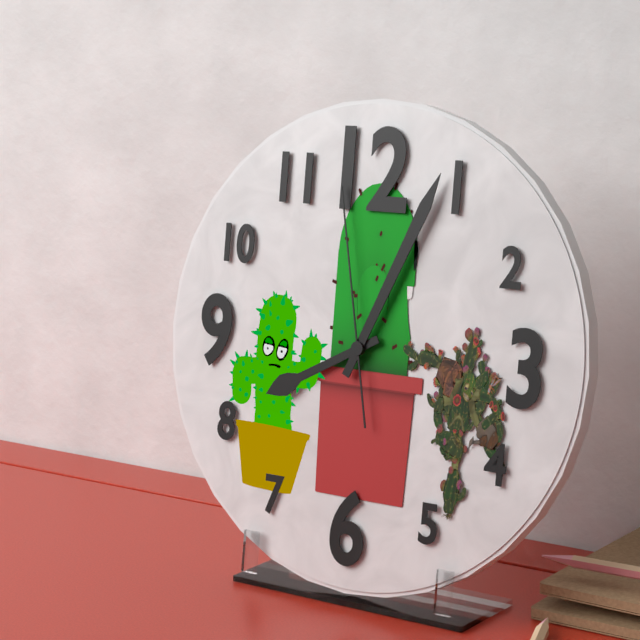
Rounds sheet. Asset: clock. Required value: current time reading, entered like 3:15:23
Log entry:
8:04:58
